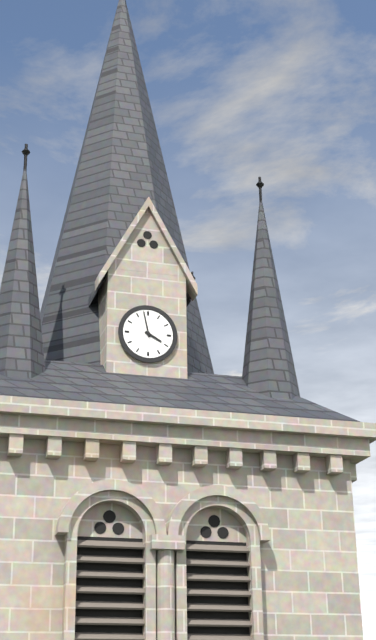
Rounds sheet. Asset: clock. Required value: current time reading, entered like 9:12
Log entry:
3:58
